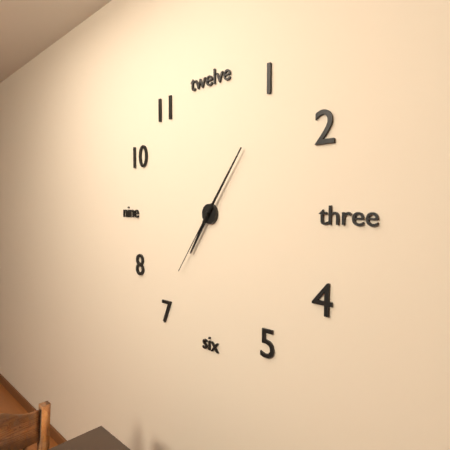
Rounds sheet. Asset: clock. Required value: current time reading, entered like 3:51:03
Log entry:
7:06:36
